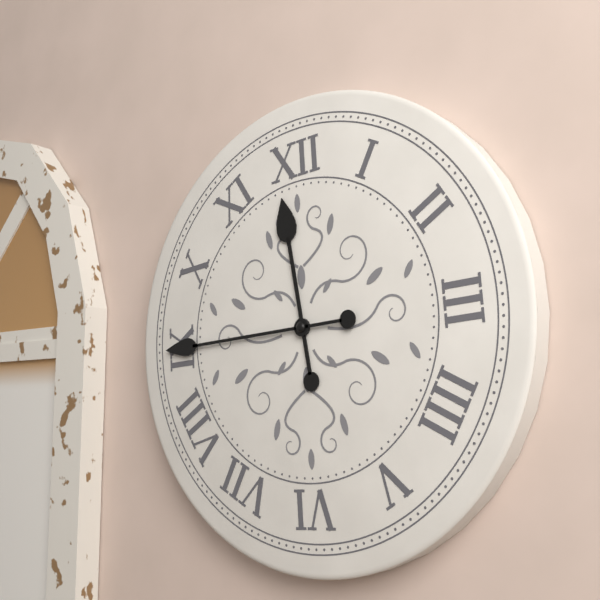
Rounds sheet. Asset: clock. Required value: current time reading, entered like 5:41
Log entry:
11:45
